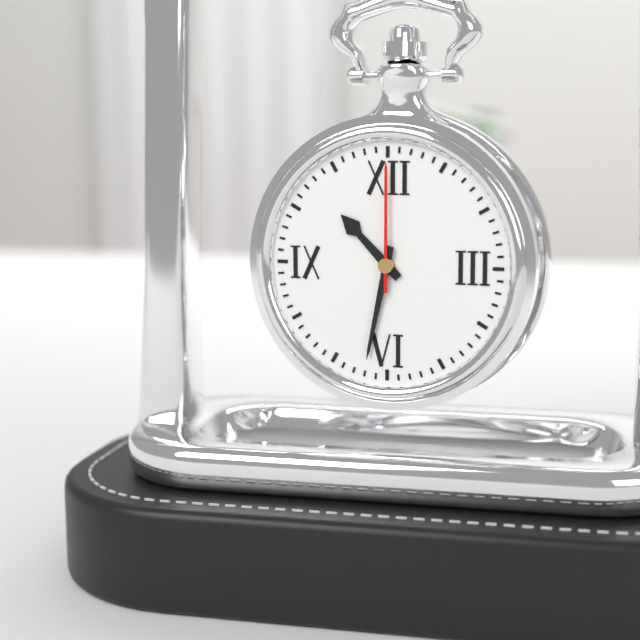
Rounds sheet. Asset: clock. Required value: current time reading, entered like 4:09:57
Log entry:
10:32:00
